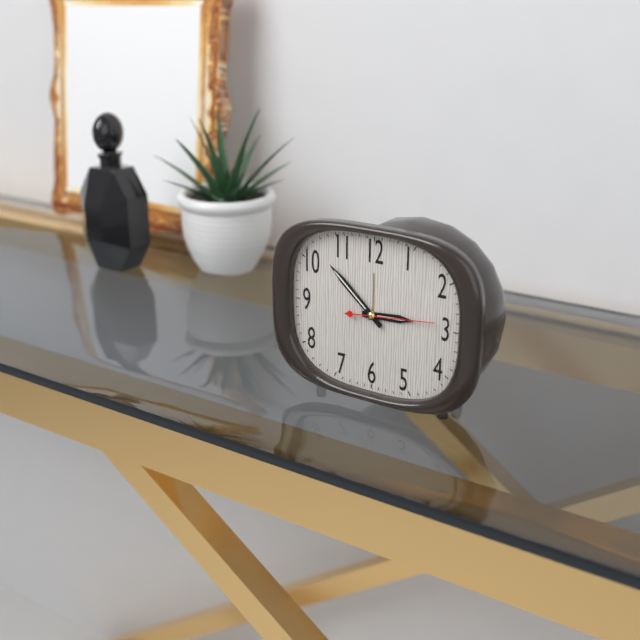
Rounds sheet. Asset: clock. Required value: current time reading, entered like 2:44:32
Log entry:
2:52:14
